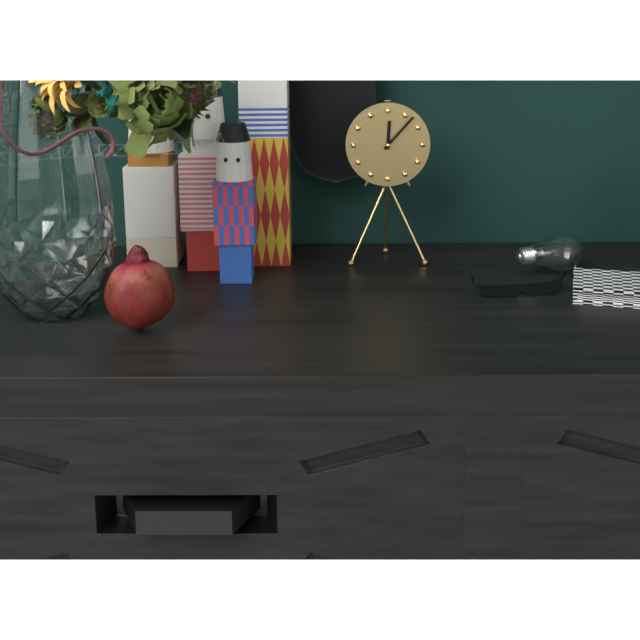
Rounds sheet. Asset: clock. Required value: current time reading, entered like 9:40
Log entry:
12:07
